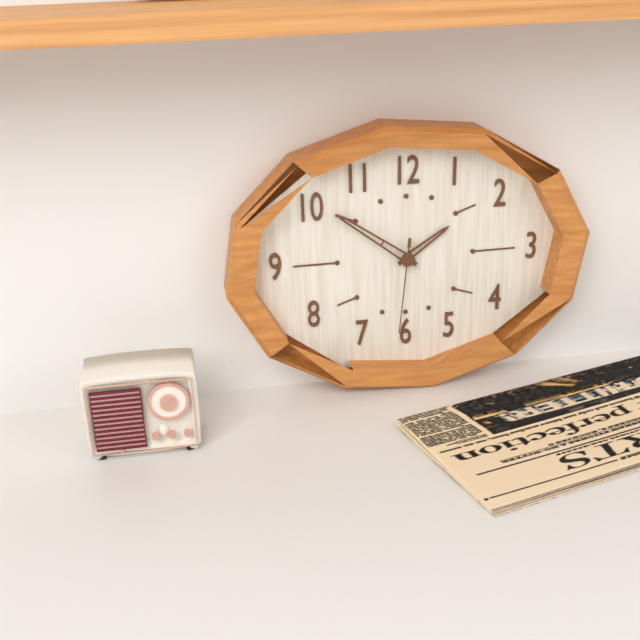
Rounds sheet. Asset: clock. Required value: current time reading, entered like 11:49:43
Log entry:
1:51:31
